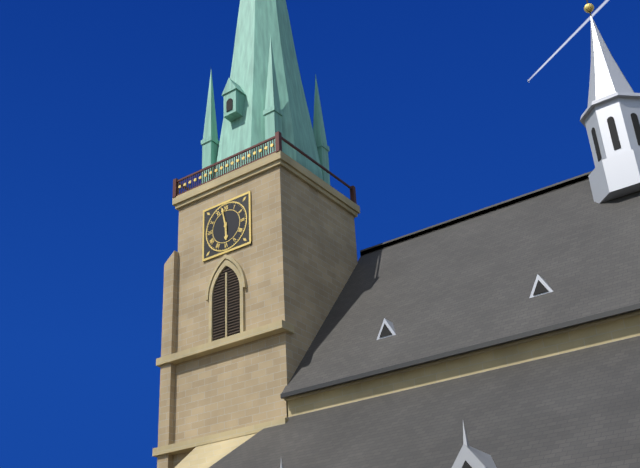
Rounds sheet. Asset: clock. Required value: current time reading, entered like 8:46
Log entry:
5:58
